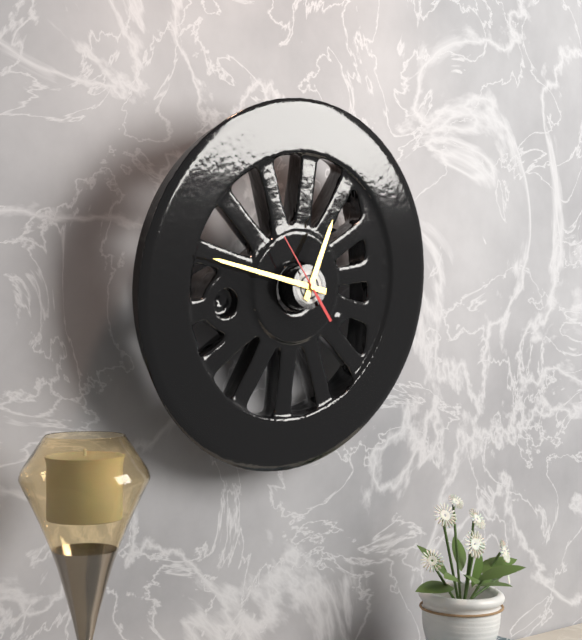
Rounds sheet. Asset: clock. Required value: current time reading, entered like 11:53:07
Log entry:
12:47:54
